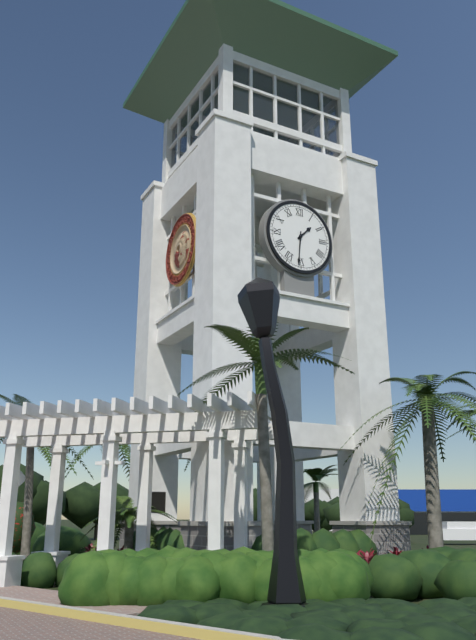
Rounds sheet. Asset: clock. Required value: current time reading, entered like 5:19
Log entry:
1:31
